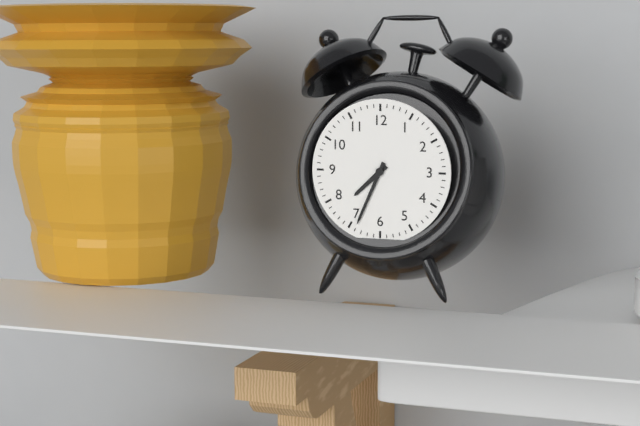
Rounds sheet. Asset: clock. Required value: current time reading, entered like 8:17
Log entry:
7:34
